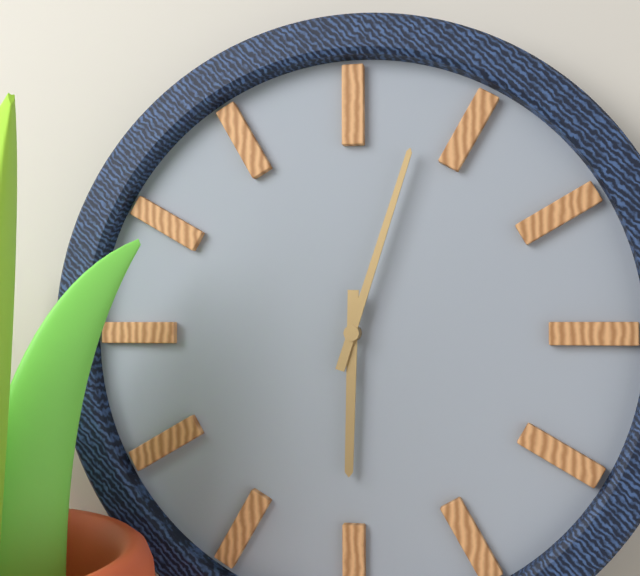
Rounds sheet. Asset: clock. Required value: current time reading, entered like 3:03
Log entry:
6:03
